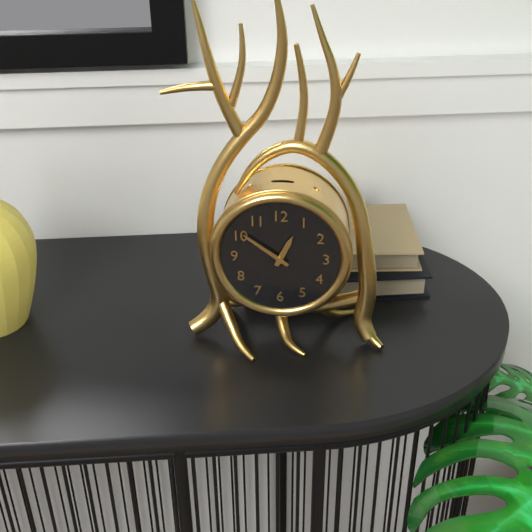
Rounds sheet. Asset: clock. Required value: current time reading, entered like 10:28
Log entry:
12:51
